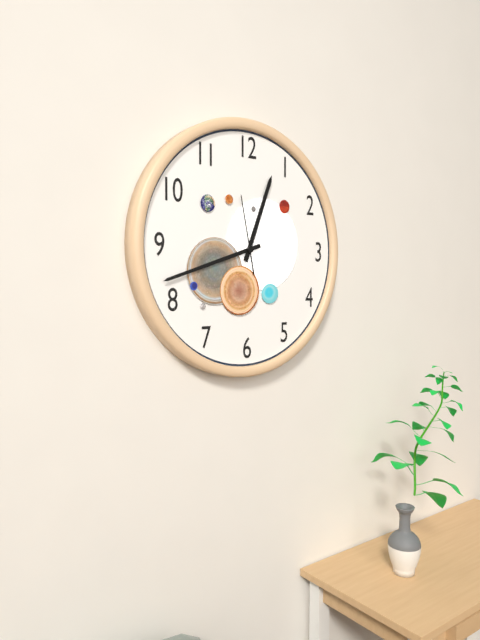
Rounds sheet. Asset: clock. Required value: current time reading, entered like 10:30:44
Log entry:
12:42:58
